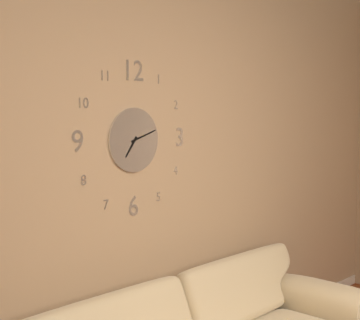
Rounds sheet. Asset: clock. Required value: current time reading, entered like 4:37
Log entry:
7:12
